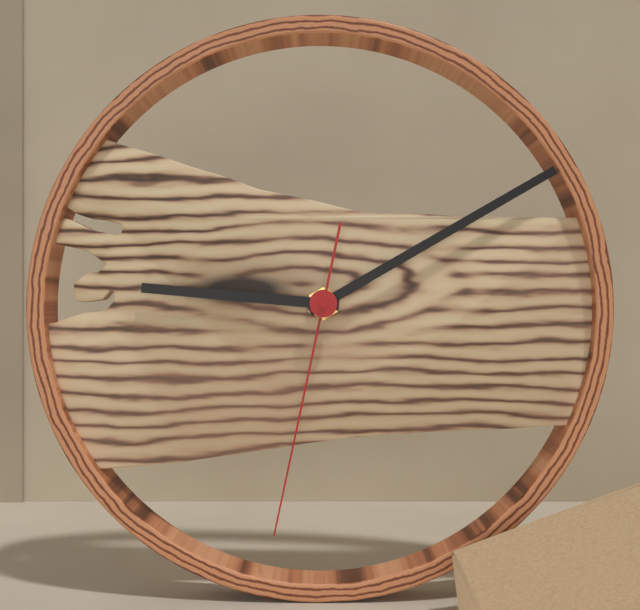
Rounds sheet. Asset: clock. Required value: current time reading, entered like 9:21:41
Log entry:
9:10:32
